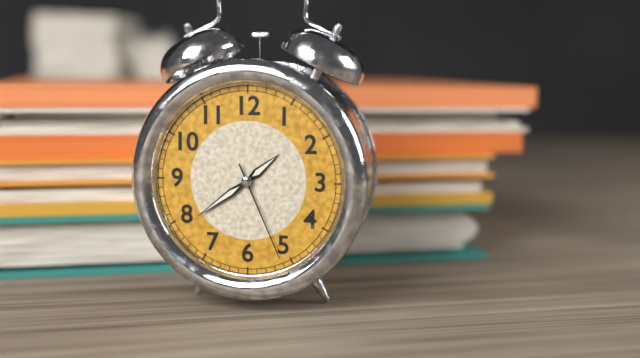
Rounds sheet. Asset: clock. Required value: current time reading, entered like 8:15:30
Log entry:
1:39:26
